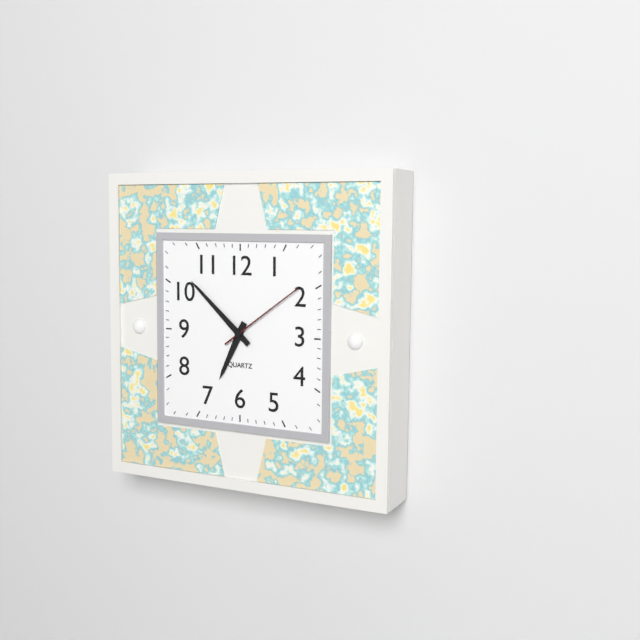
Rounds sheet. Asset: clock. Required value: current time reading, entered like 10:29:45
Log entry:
6:52:09
